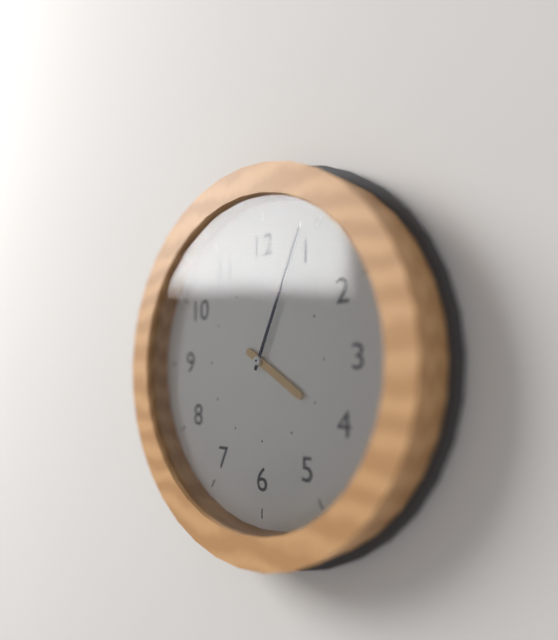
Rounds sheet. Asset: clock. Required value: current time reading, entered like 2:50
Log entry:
4:04
